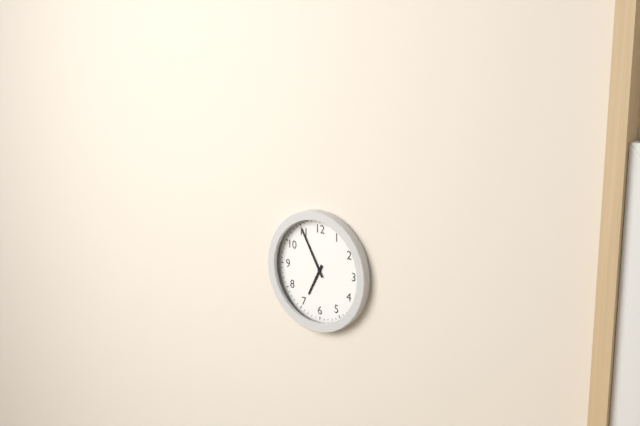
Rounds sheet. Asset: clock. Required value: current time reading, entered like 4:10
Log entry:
6:55
